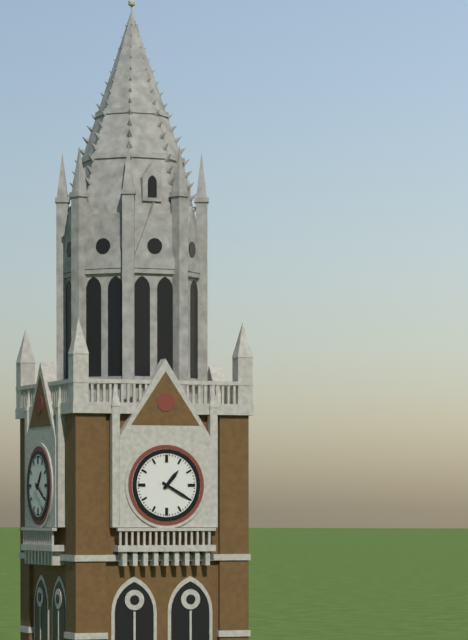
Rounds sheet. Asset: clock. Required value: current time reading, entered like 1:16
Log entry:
1:20
